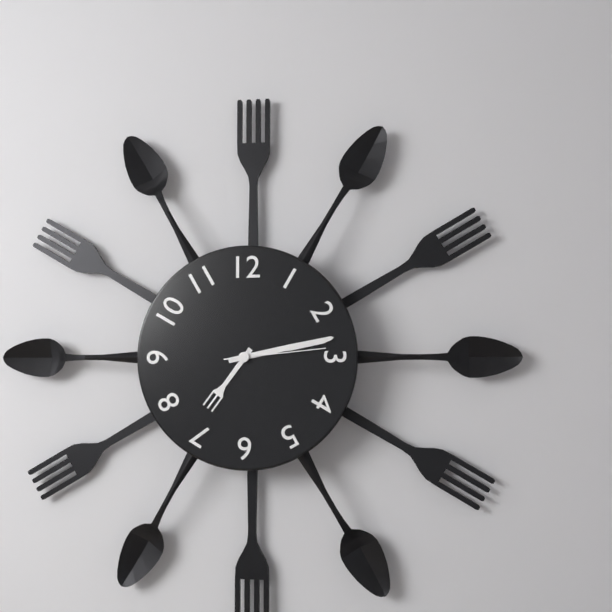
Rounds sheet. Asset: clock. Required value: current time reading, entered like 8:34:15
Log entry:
7:13:14
